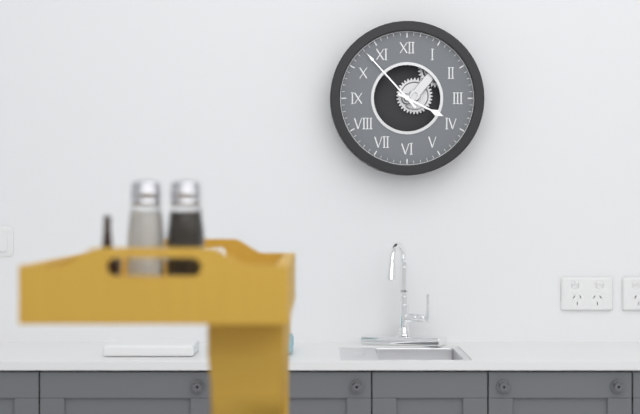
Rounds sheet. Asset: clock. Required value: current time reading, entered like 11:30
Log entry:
3:53
